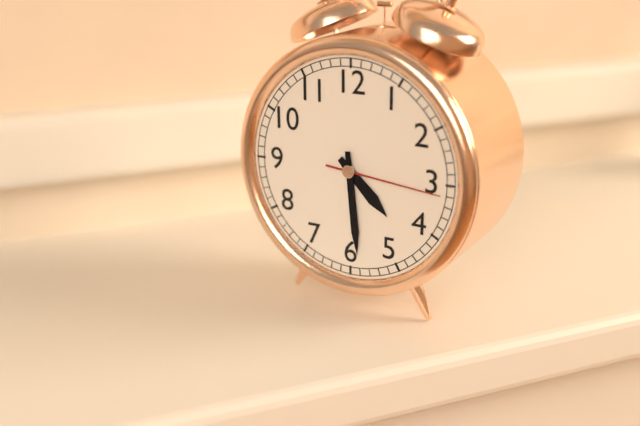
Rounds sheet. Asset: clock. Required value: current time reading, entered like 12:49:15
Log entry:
4:29:16
